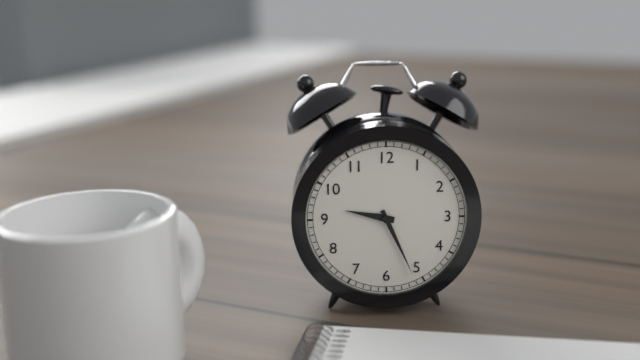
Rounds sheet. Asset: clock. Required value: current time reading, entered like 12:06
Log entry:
9:26
